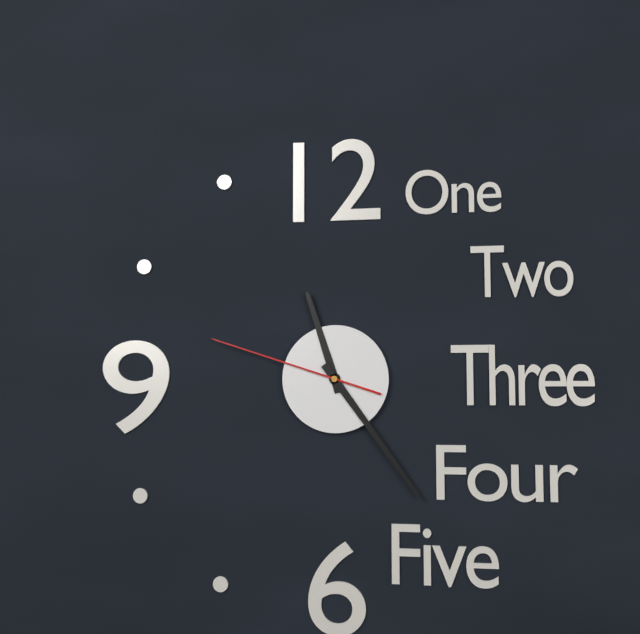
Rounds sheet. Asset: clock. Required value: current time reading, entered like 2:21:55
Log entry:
11:24:48
